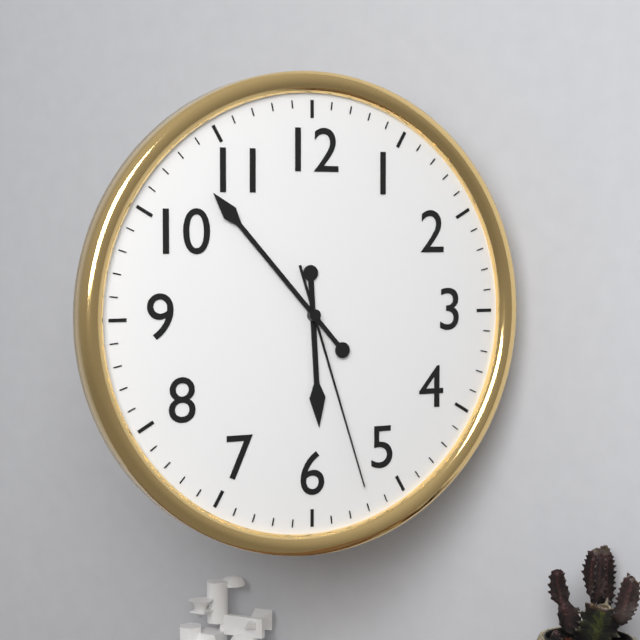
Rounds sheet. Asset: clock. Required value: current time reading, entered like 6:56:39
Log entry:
5:53:27
